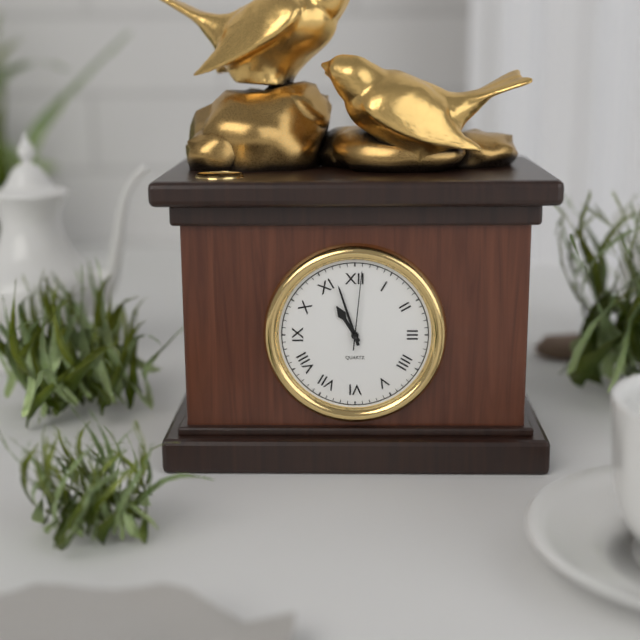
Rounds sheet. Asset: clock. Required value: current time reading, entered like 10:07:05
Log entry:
10:57:01
